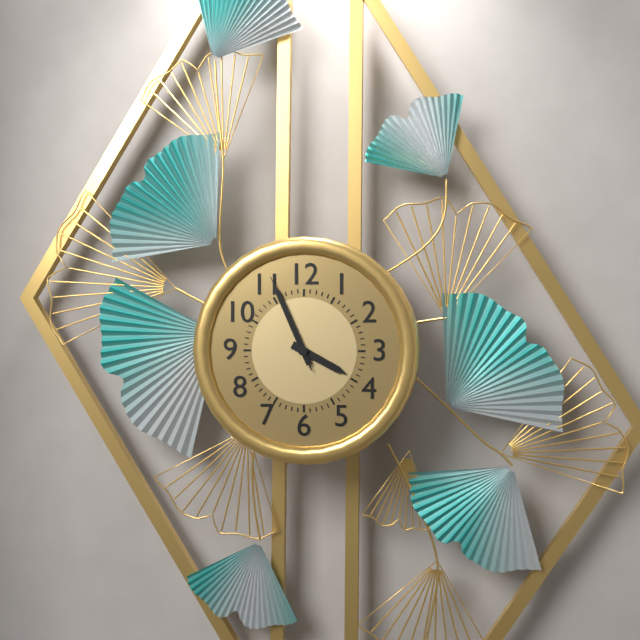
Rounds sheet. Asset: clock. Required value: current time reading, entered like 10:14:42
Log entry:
3:56:56
